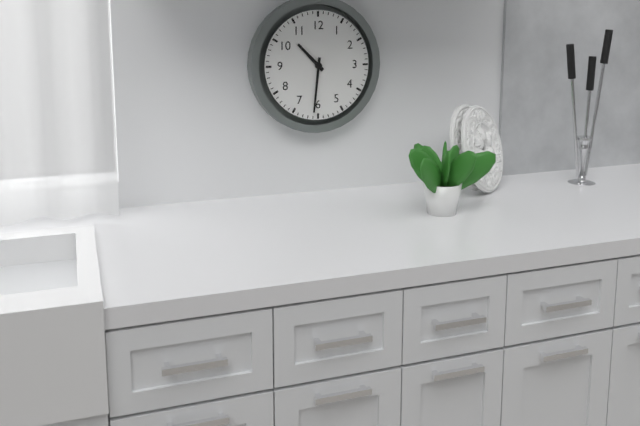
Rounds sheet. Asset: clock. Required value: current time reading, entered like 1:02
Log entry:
10:31
